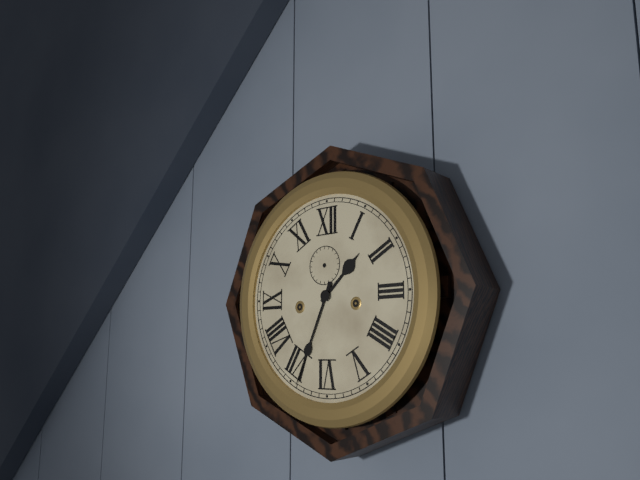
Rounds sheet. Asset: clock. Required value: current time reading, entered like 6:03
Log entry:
1:34
